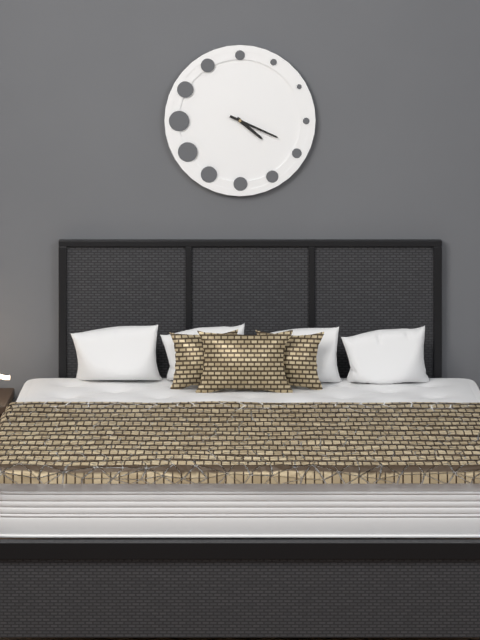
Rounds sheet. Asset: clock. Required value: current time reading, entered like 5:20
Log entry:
4:19
